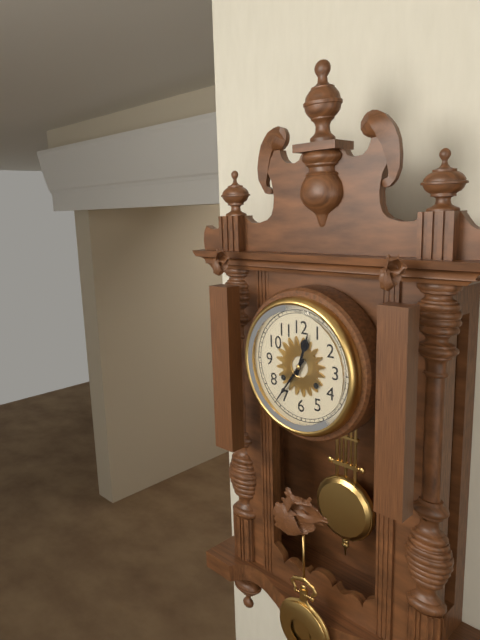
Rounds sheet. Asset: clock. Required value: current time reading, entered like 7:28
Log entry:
12:36
